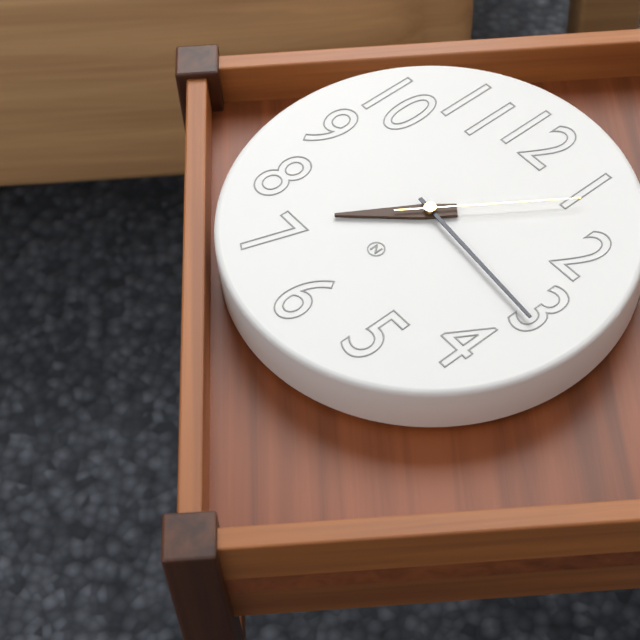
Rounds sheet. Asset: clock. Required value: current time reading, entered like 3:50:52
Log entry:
7:16:06
